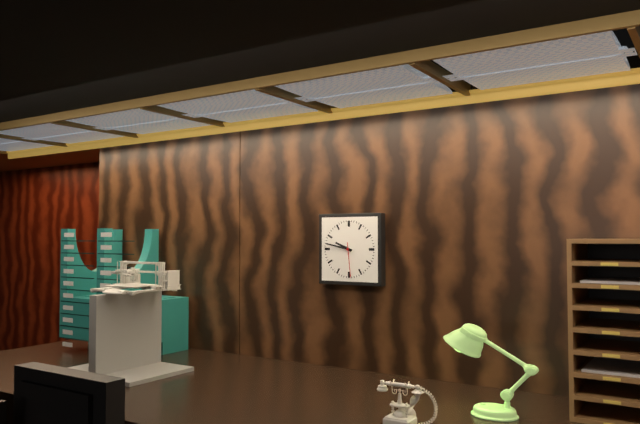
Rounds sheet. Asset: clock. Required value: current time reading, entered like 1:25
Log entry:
9:47
